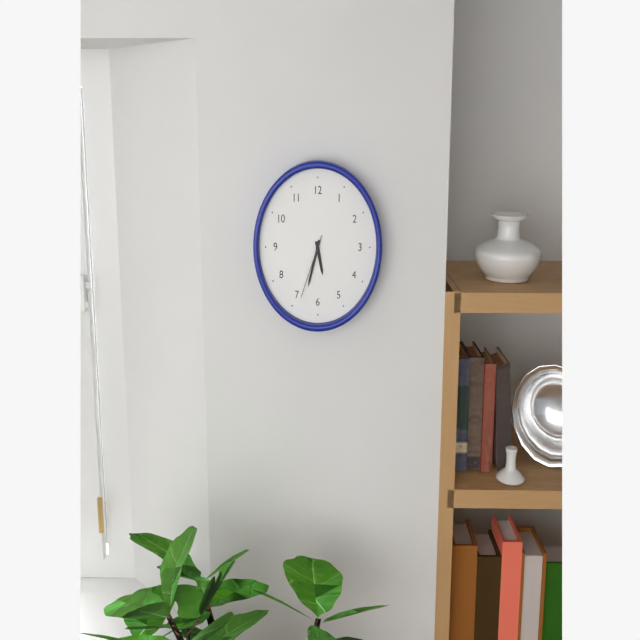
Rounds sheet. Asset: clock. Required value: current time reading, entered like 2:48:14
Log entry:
5:33:34
